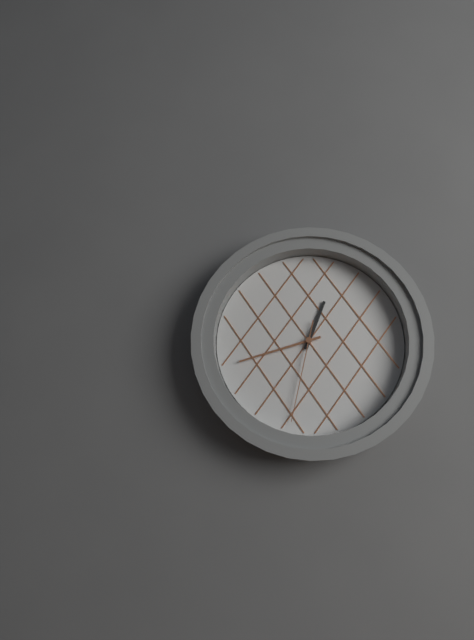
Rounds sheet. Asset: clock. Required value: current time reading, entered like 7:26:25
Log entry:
12:42:32
